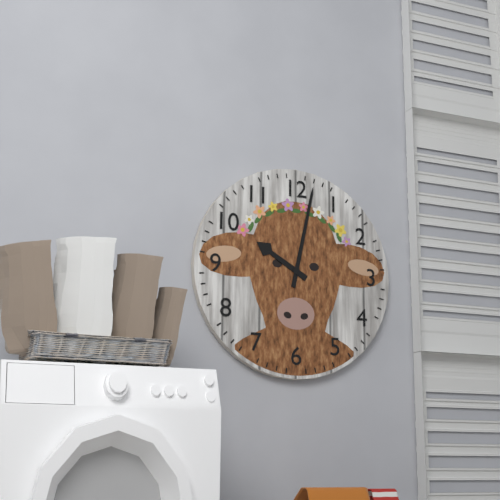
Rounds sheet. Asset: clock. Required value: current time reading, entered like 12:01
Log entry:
10:02
